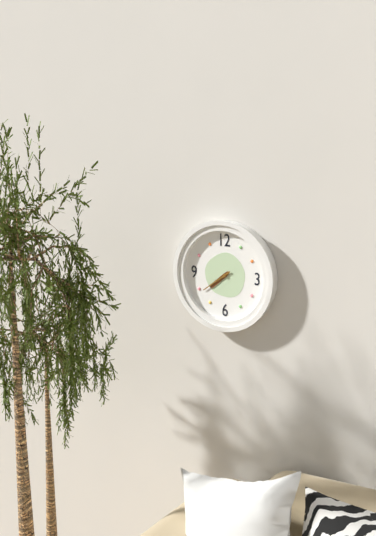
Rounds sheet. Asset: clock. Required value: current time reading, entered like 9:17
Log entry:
7:39
